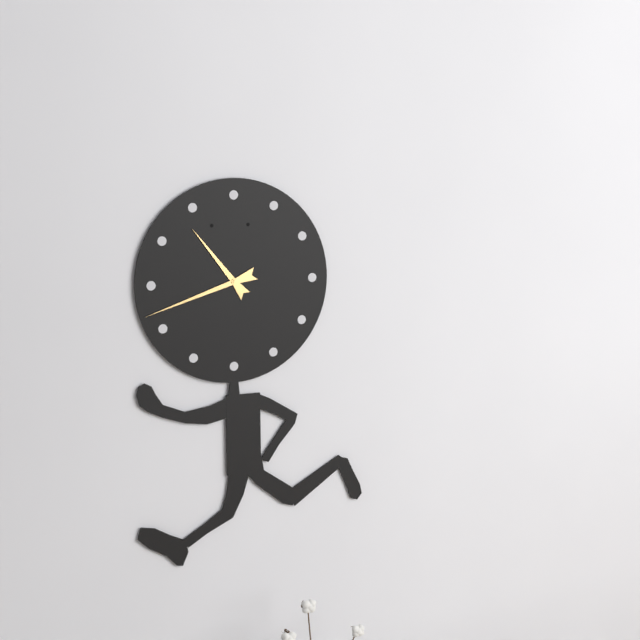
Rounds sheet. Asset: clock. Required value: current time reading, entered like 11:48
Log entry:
10:42
